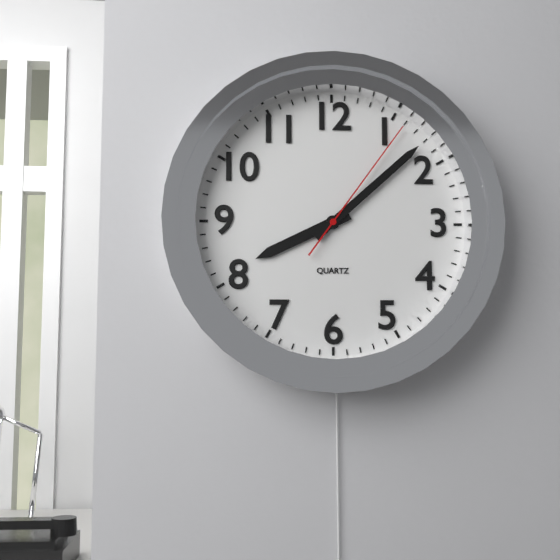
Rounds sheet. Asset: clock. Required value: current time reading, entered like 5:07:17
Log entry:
8:08:06
